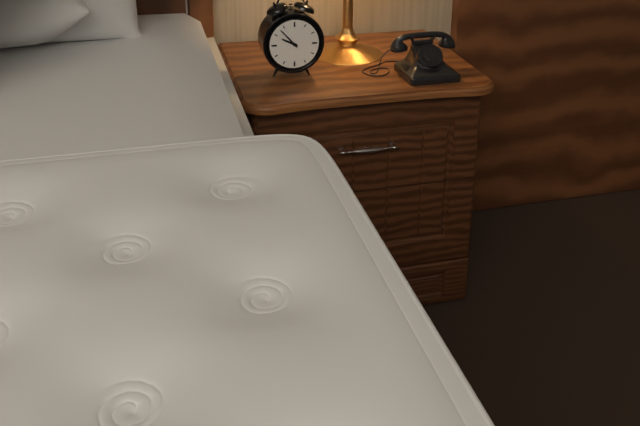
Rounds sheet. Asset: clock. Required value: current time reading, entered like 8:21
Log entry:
9:53
